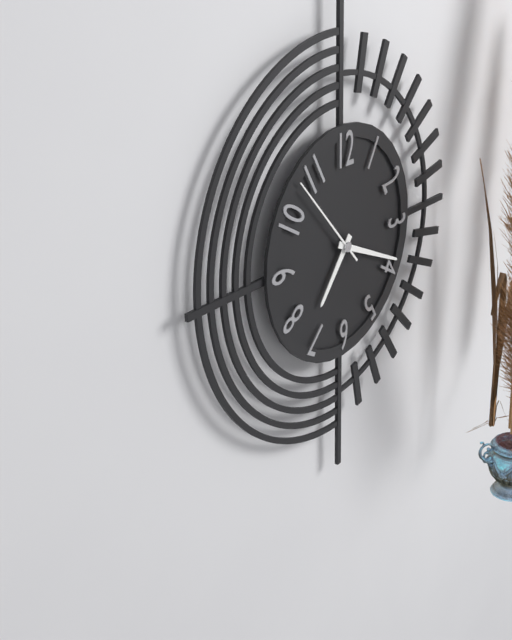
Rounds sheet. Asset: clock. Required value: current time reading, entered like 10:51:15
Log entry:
7:19:53
